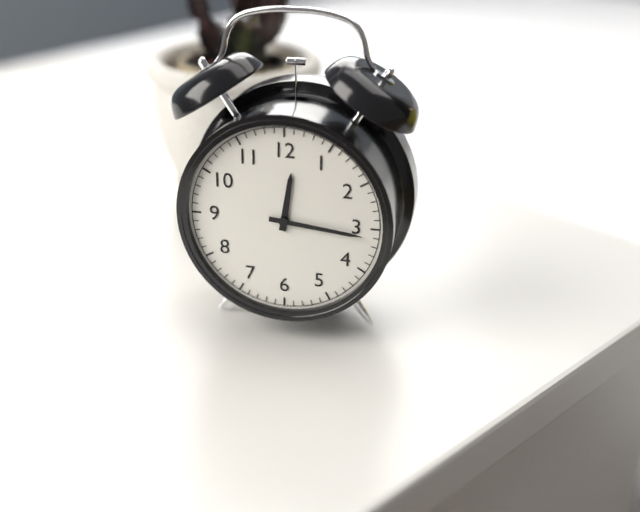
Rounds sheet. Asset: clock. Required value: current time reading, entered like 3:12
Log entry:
12:16
